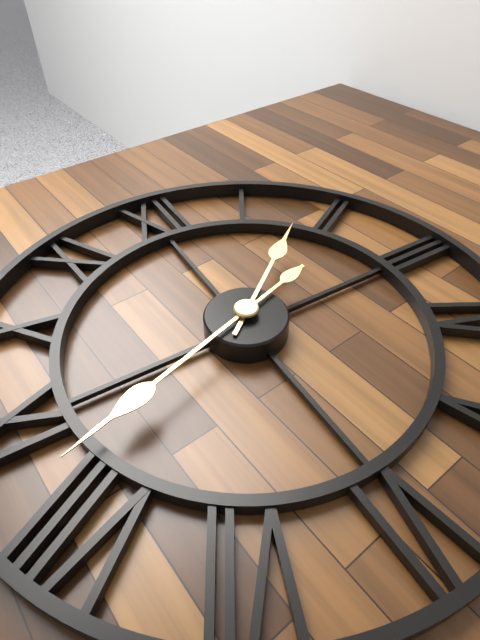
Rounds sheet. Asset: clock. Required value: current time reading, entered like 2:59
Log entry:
1:42
